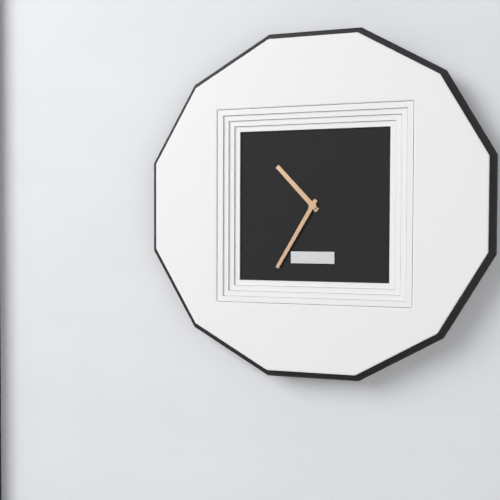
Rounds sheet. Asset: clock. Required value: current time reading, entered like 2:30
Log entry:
10:35
